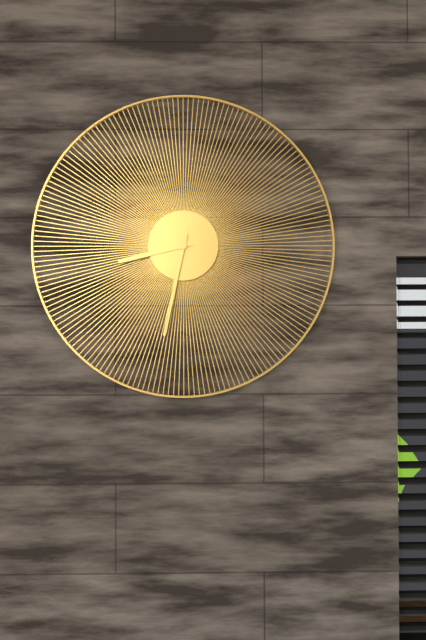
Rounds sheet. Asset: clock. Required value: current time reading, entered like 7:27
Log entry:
8:32
